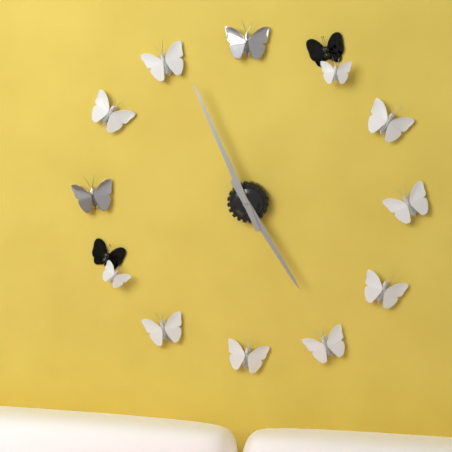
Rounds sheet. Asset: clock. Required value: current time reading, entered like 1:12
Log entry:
4:56
